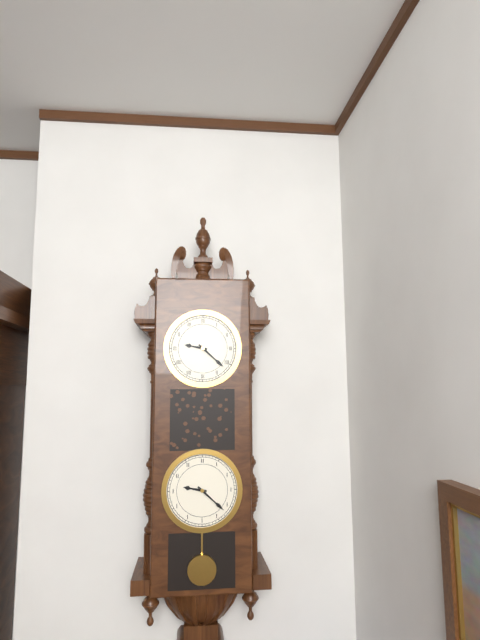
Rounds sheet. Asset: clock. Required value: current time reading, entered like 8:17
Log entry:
9:22
